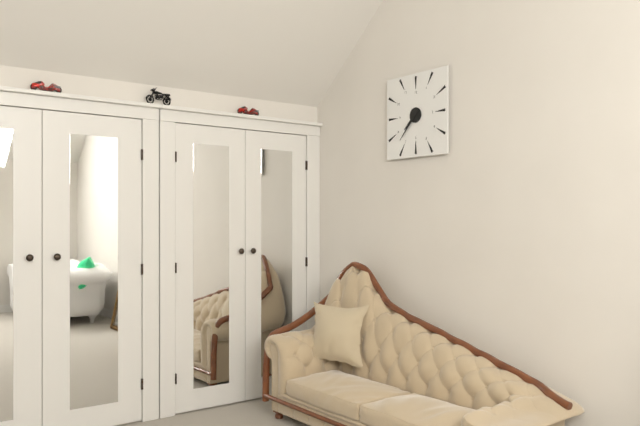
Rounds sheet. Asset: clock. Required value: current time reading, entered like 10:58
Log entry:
7:37
